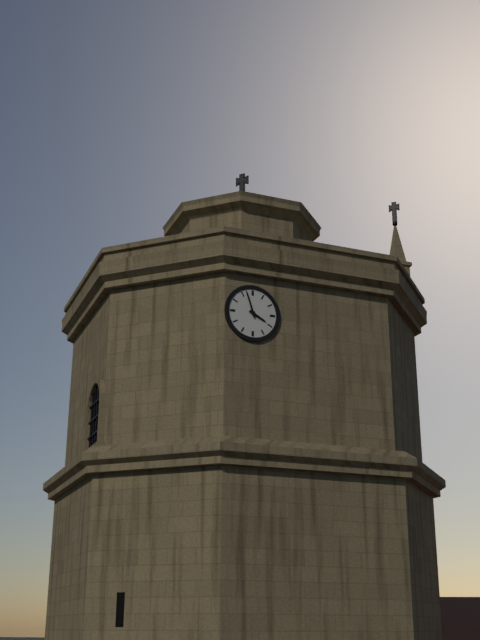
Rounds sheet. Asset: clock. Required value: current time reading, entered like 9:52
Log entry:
3:57
